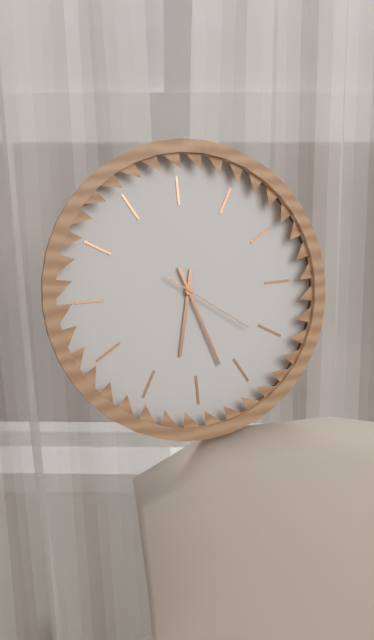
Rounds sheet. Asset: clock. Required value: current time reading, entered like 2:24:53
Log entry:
6:27:21
